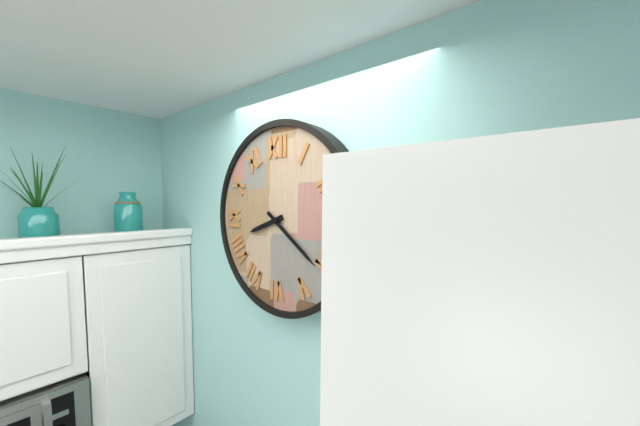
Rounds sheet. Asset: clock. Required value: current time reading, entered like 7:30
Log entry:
8:21
